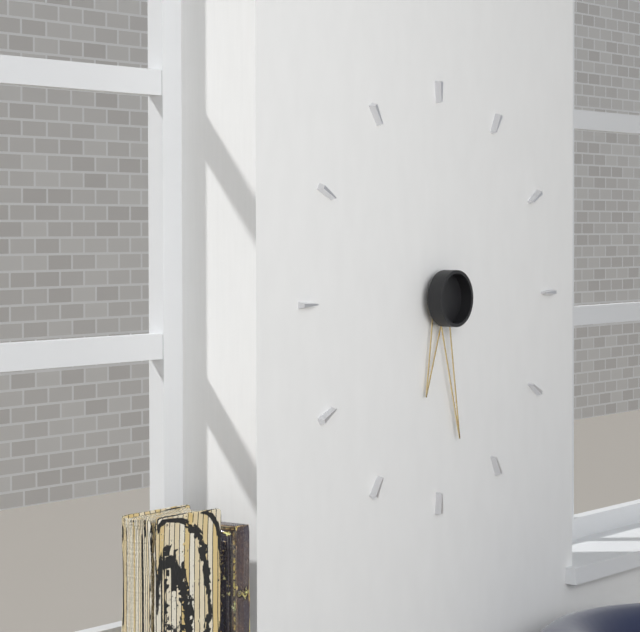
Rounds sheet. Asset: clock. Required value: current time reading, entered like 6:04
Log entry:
6:28
